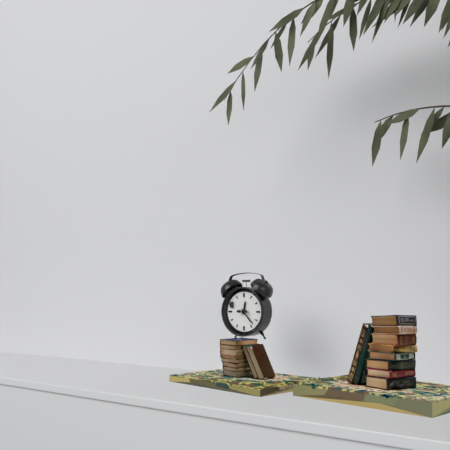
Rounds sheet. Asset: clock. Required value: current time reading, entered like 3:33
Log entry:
12:23
